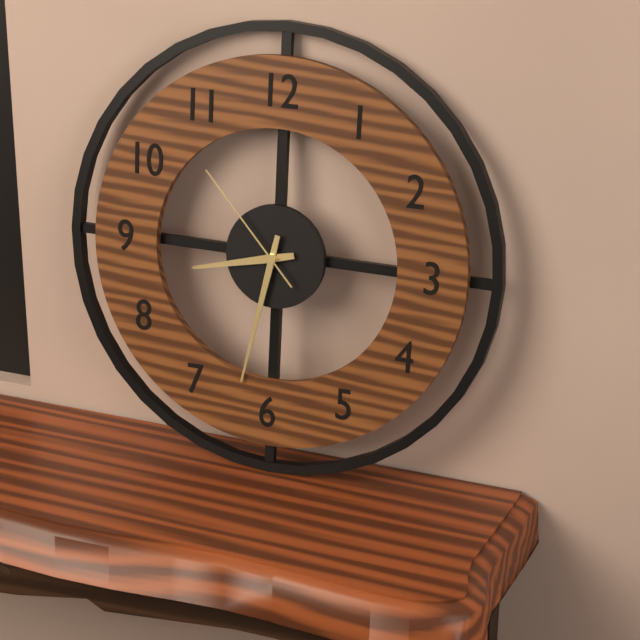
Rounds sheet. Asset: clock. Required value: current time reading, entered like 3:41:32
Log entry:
8:32:53
